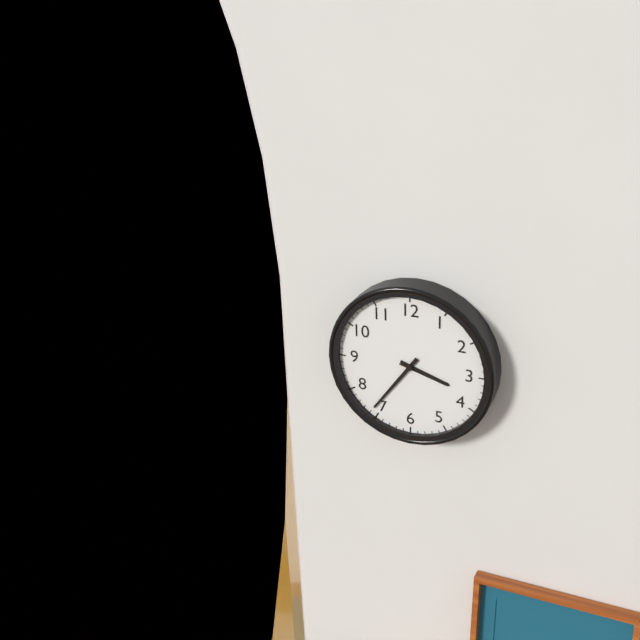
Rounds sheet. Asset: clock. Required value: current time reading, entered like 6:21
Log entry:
3:36
